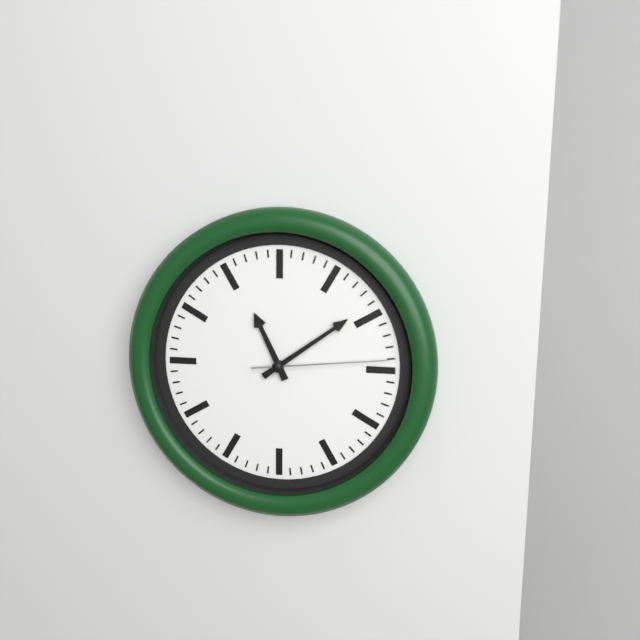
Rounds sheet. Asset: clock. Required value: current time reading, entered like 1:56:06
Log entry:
11:09:14
